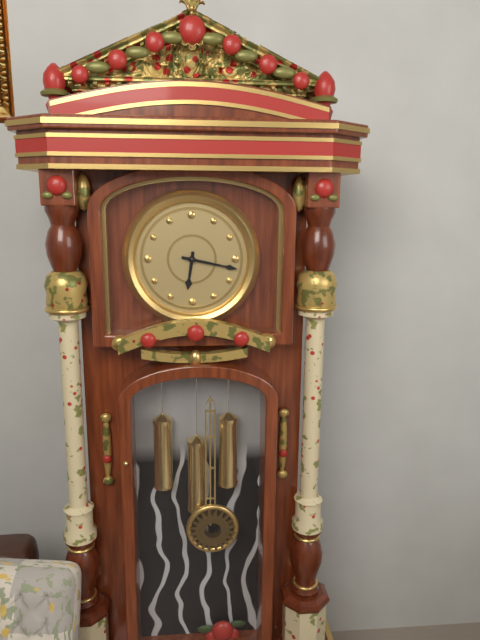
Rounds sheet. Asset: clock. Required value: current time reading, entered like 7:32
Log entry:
6:17
